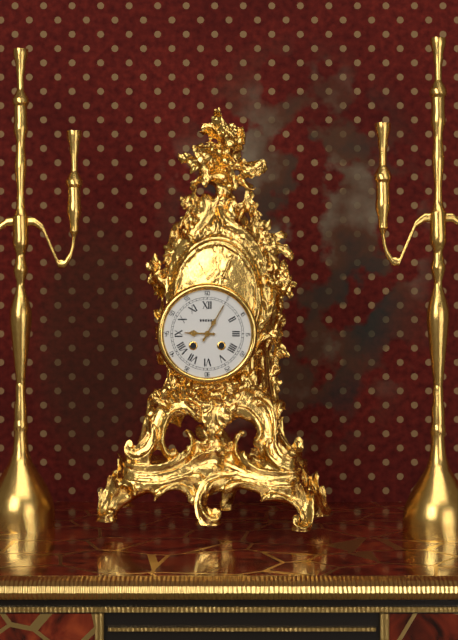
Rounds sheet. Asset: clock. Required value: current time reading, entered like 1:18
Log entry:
9:05
